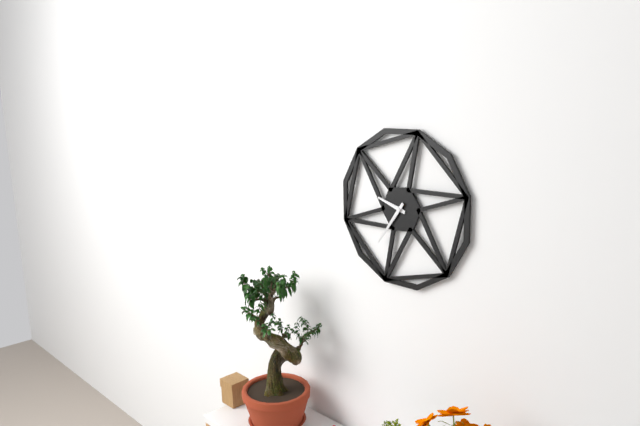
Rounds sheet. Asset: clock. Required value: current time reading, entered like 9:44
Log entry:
9:36
